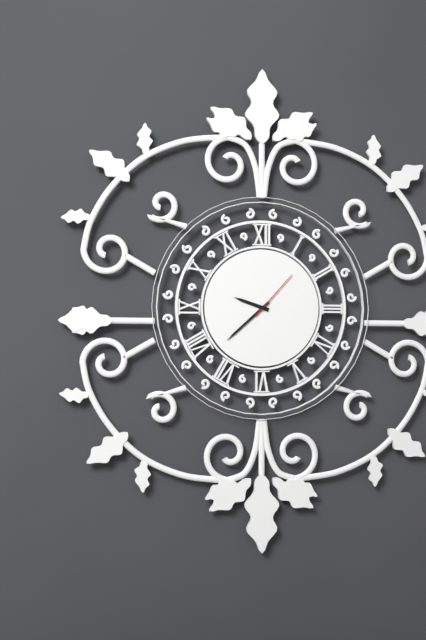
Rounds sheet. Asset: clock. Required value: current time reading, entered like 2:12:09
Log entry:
9:38:07
